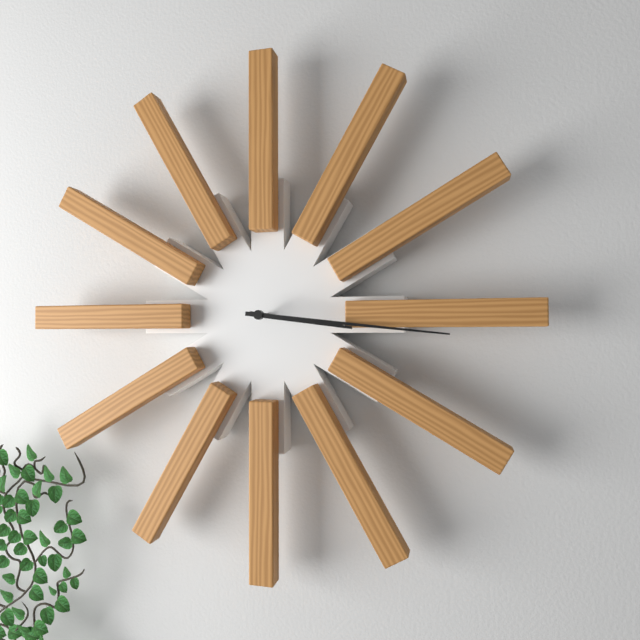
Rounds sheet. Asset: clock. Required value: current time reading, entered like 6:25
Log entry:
3:16
